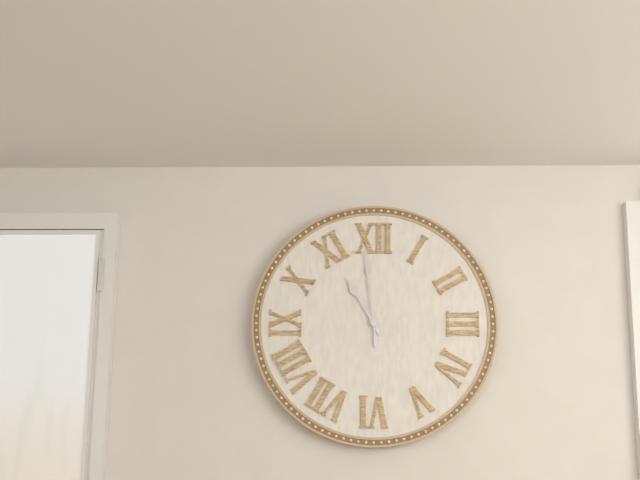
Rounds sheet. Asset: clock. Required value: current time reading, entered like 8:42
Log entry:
10:59
